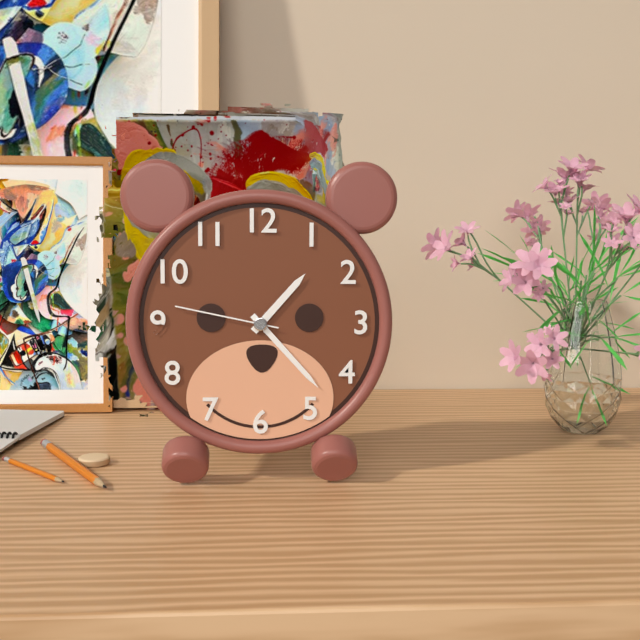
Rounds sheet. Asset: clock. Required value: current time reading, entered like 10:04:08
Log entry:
1:23:47
